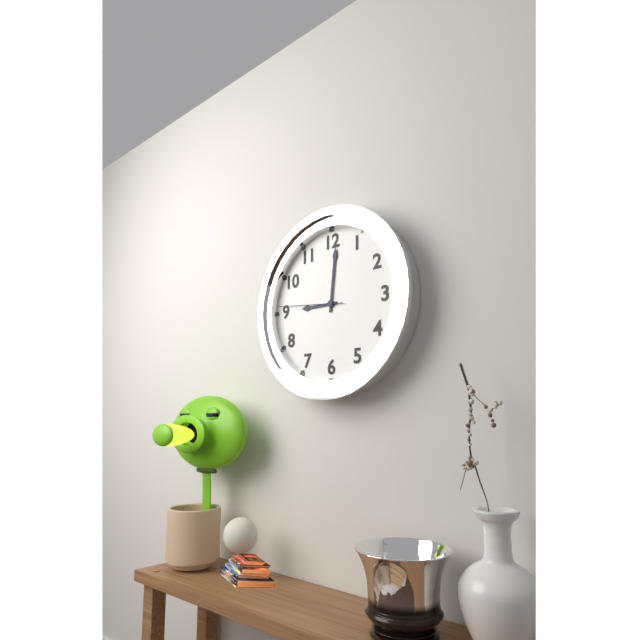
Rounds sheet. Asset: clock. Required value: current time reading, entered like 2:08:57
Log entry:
9:01:46
